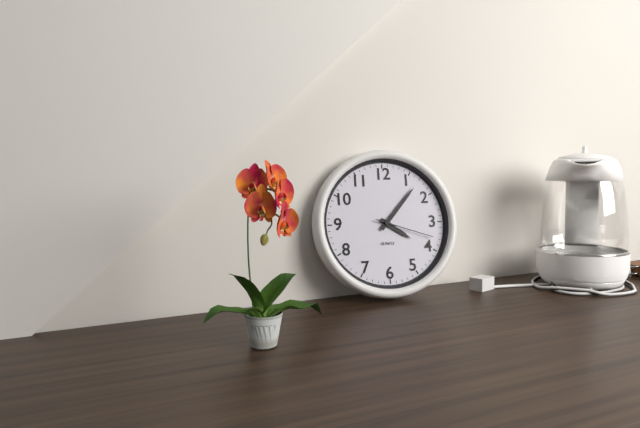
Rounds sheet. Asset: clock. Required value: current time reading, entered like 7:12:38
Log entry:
4:07:18
